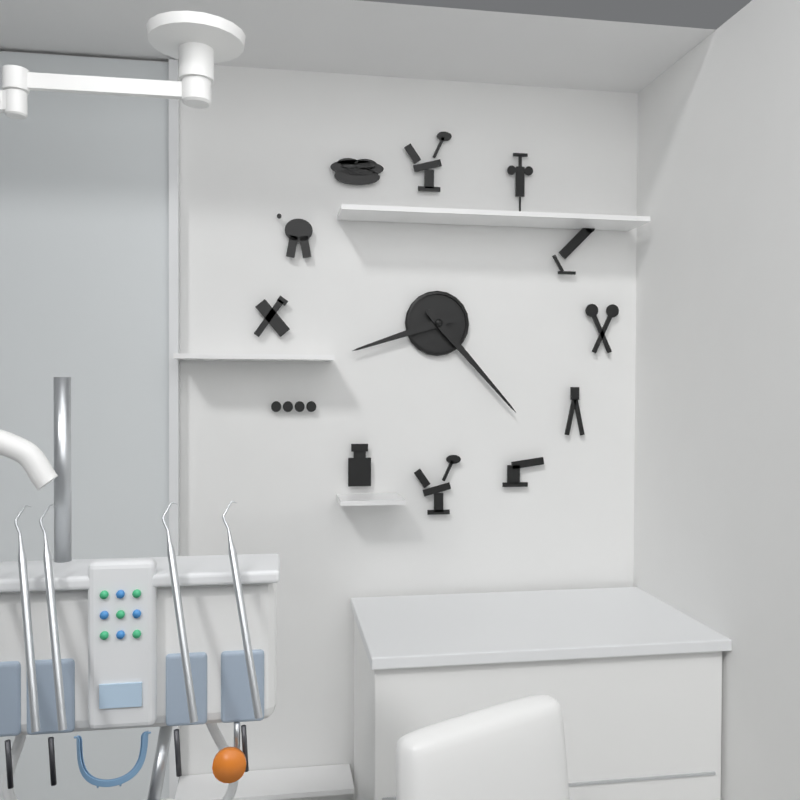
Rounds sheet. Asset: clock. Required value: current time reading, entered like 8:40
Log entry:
8:23
